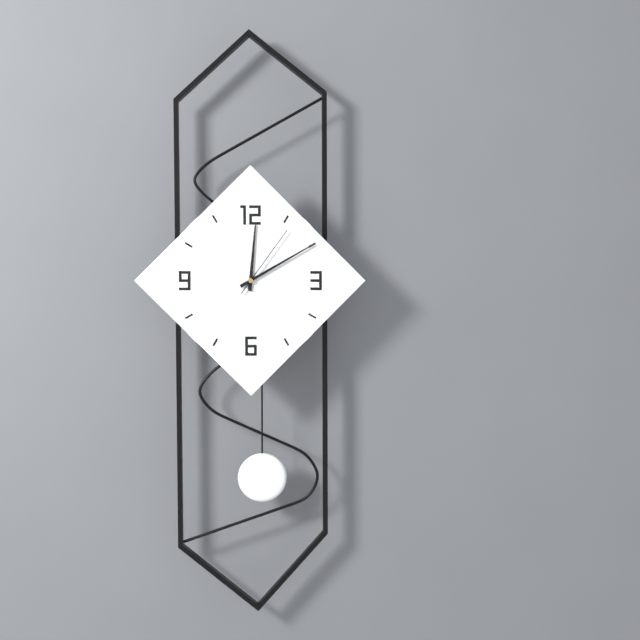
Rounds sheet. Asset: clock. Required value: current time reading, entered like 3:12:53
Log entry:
12:10:06
